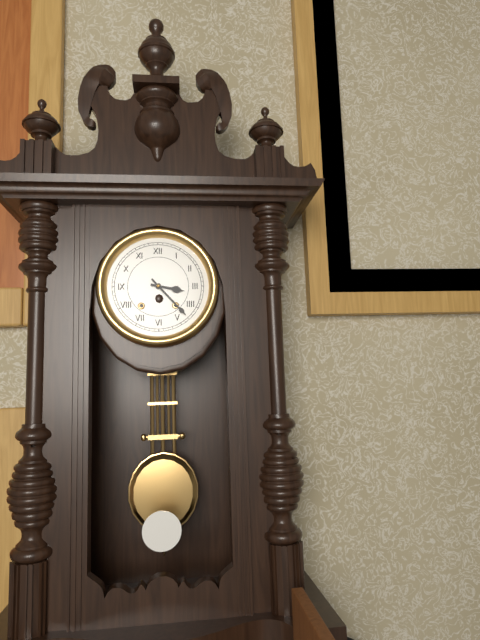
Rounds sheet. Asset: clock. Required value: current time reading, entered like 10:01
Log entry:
3:23
